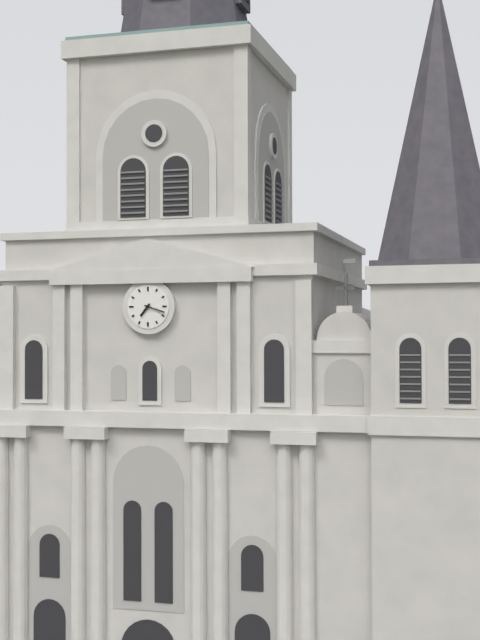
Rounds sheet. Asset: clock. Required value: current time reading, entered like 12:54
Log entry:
7:18
